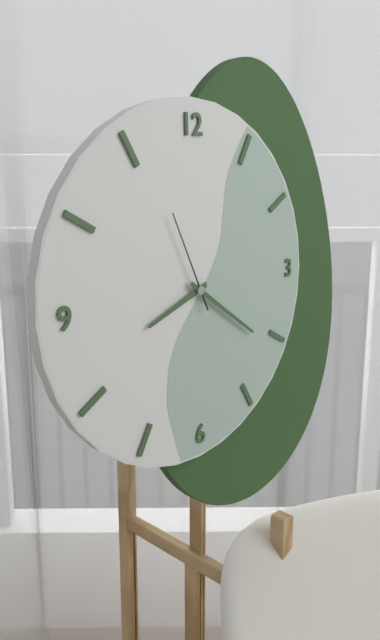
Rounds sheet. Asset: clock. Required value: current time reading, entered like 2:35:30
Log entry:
8:21:56
